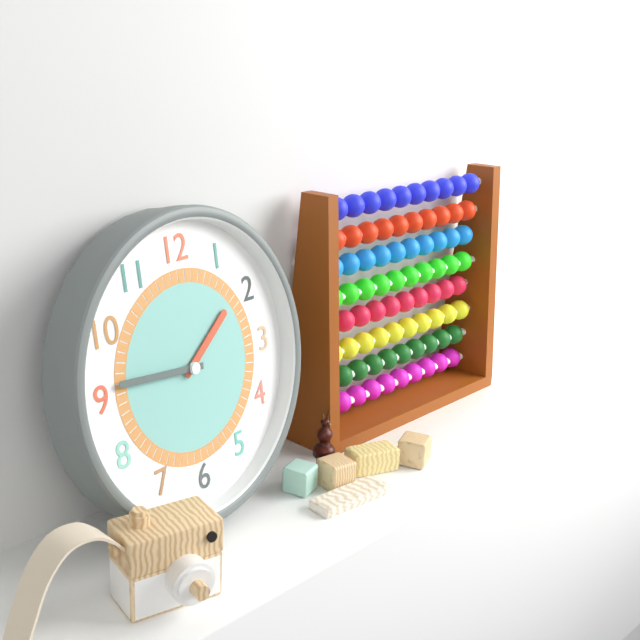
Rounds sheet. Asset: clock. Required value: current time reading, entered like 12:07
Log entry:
1:46
